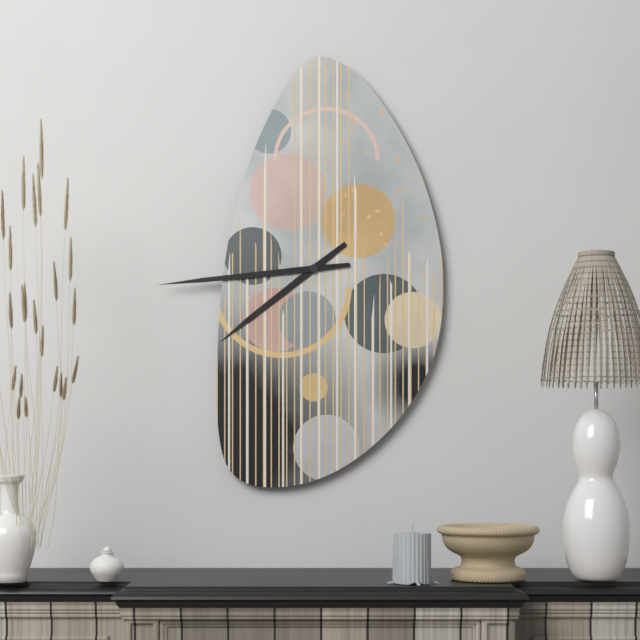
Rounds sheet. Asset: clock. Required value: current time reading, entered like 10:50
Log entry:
7:44
